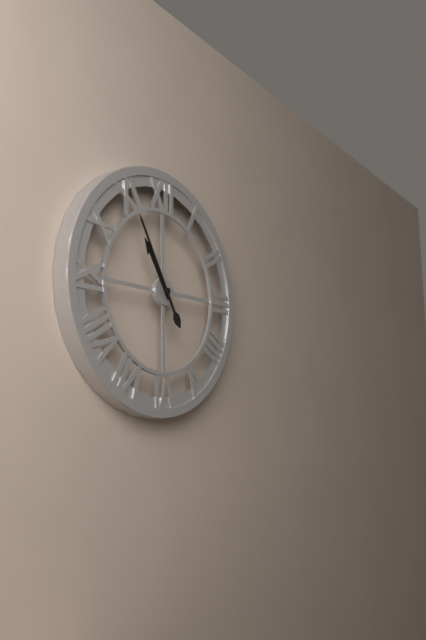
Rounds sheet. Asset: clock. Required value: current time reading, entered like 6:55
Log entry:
10:55
